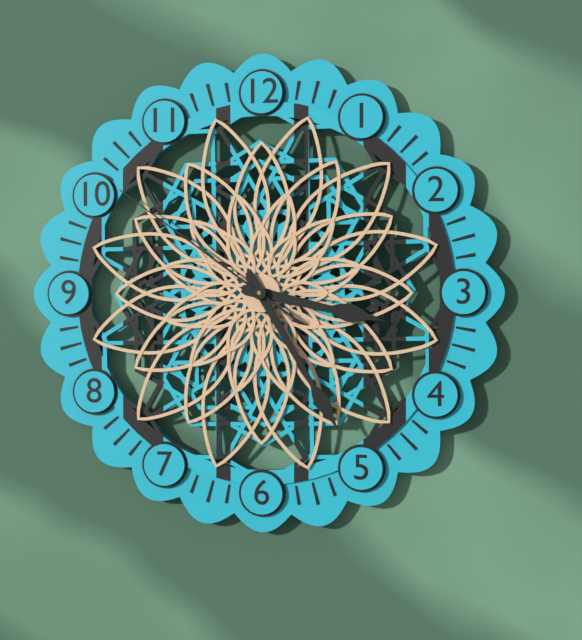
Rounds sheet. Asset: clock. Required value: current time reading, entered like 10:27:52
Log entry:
3:25:51
